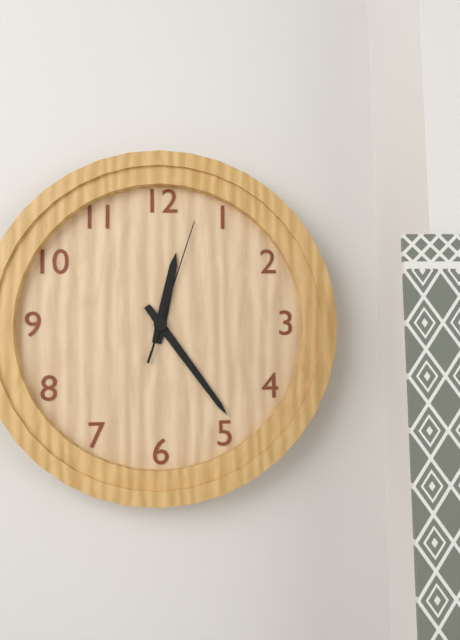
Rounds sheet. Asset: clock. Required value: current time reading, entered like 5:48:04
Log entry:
12:24:03
